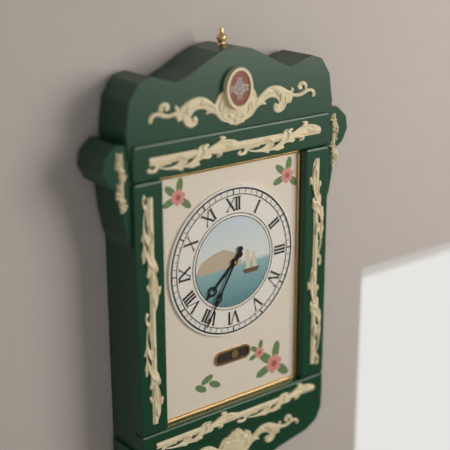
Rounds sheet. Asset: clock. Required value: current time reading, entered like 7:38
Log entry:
7:35
